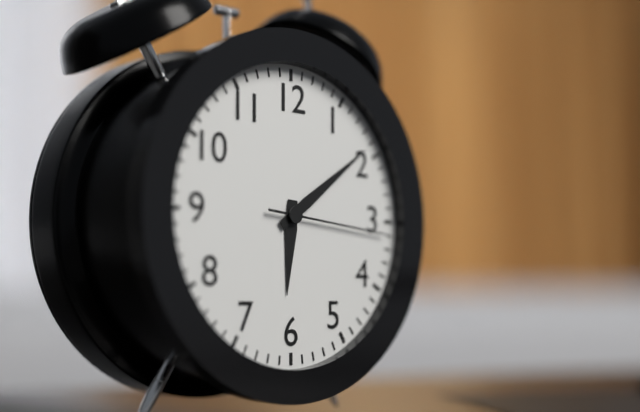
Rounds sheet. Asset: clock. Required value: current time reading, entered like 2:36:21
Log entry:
6:09:16
